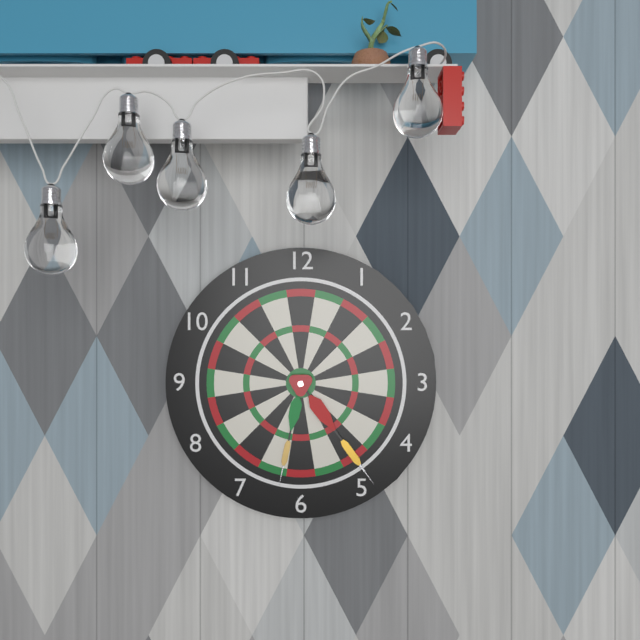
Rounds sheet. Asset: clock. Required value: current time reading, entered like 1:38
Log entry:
6:24
